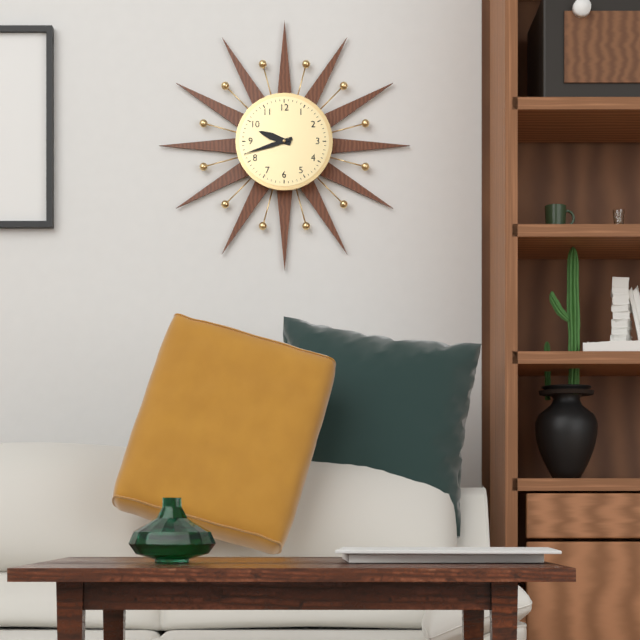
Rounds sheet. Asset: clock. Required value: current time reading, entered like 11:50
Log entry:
9:42
